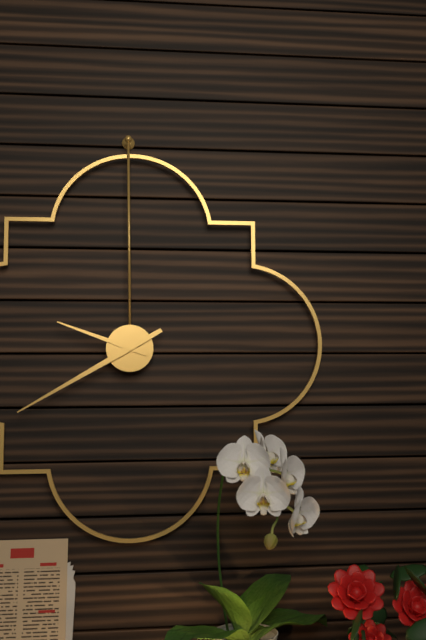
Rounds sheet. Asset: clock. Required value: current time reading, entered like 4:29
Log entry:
9:40
